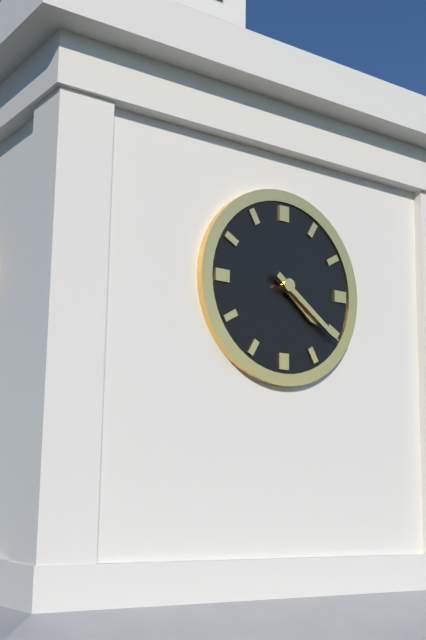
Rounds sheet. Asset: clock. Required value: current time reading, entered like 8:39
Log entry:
4:21
